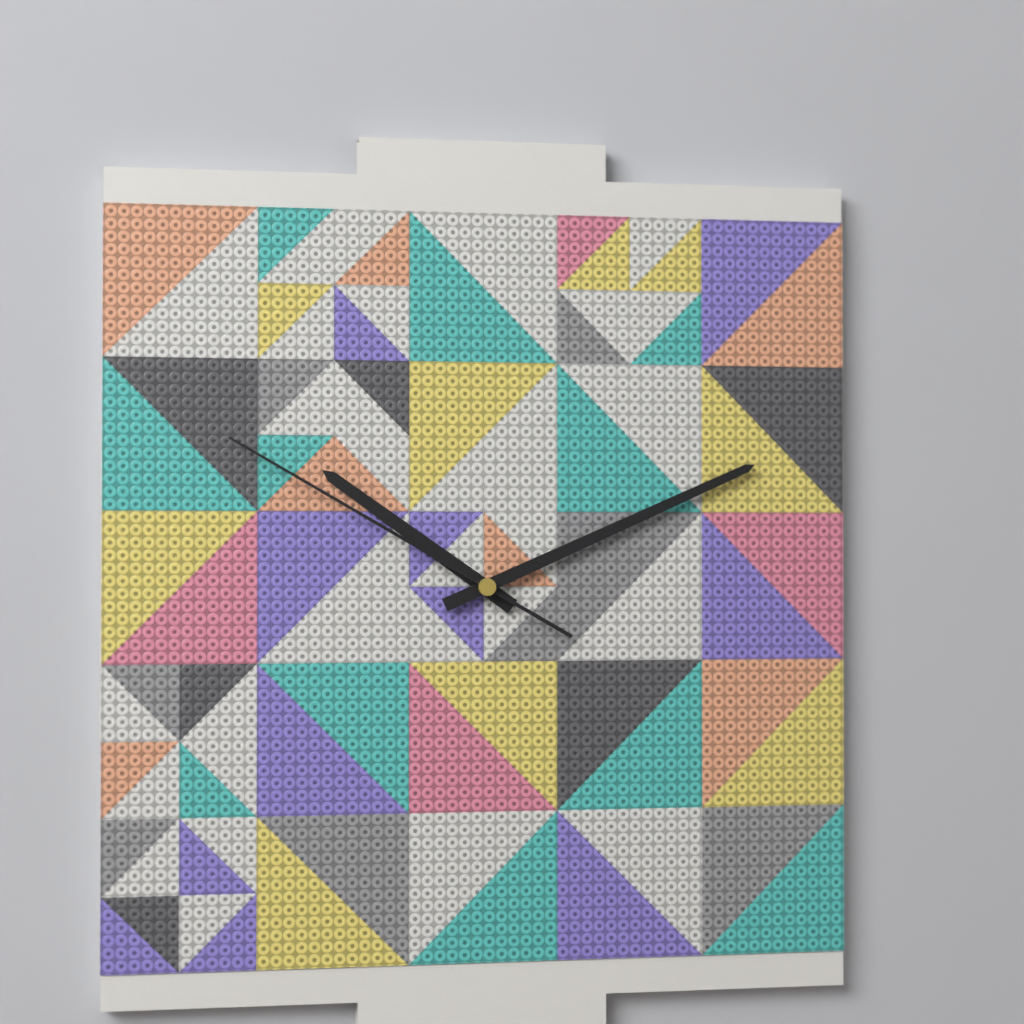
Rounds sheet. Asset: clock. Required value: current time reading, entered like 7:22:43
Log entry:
10:11:50
